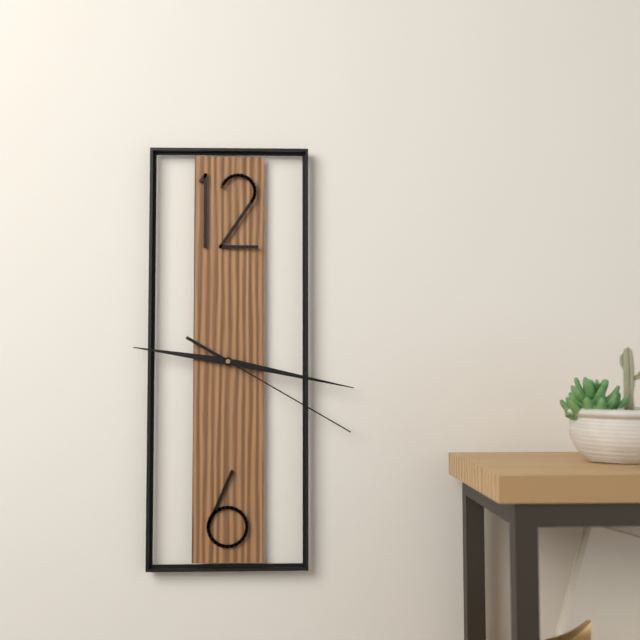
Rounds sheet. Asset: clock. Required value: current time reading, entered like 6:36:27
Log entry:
9:17:20
